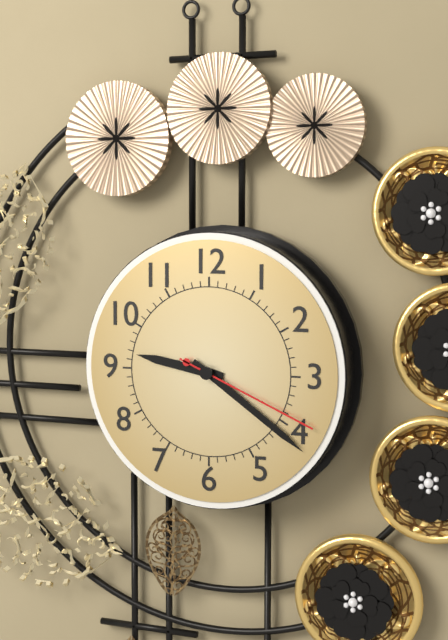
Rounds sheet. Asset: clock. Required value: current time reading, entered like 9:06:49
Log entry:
9:21:19
